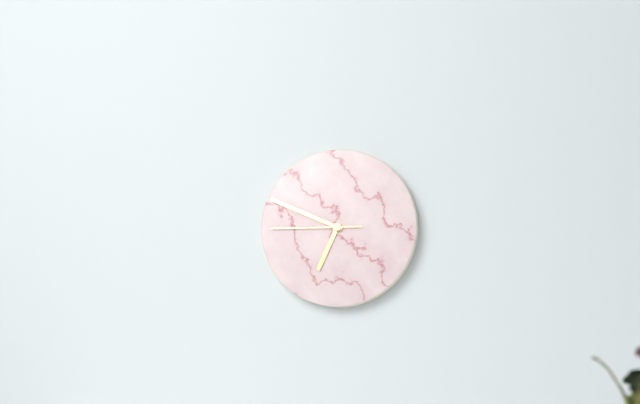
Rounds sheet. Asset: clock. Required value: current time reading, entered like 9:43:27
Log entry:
6:49:45
